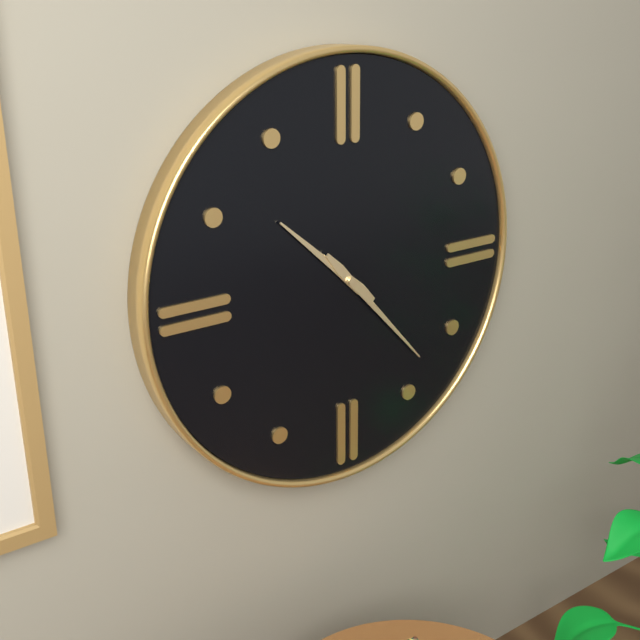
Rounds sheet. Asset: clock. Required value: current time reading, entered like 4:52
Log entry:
10:23
